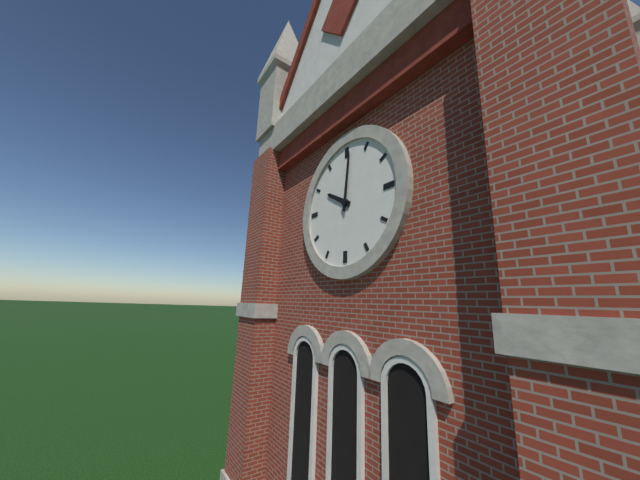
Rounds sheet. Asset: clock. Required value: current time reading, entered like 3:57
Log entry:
10:01
